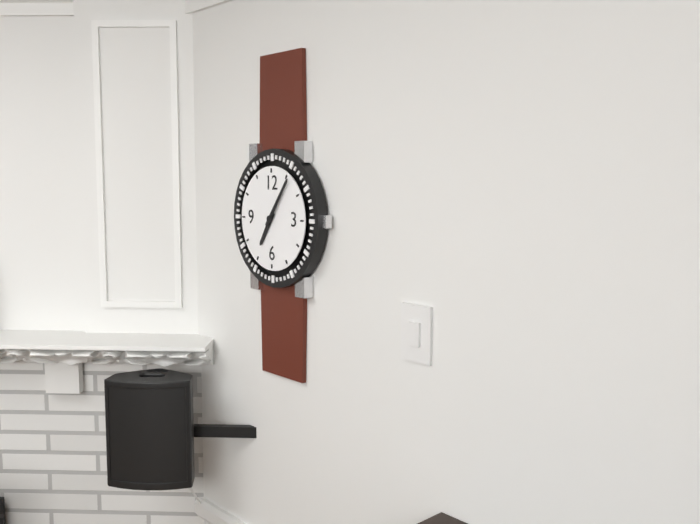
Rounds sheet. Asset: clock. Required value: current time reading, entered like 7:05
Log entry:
7:06
